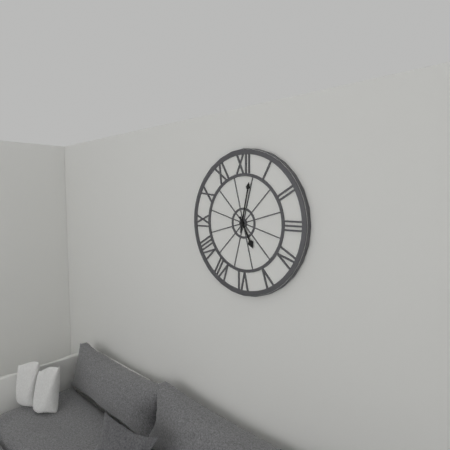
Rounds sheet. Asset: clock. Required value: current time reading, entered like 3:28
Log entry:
5:02
